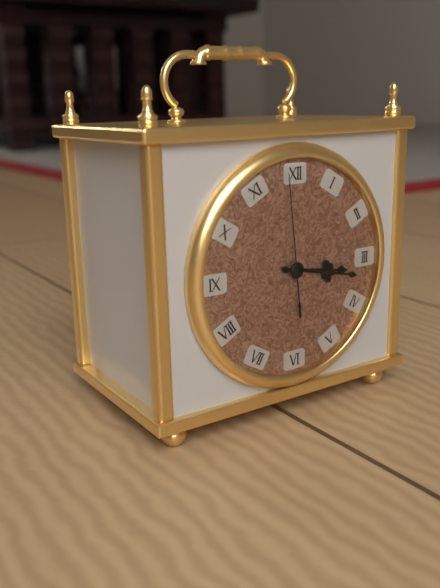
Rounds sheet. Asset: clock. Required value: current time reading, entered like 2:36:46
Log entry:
3:17:59
